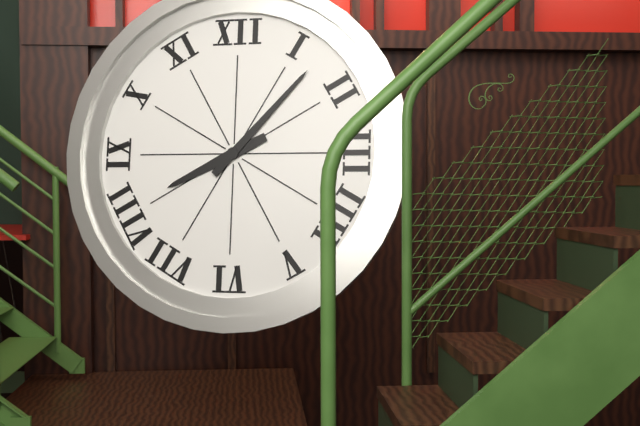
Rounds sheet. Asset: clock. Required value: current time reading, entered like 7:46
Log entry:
8:07
